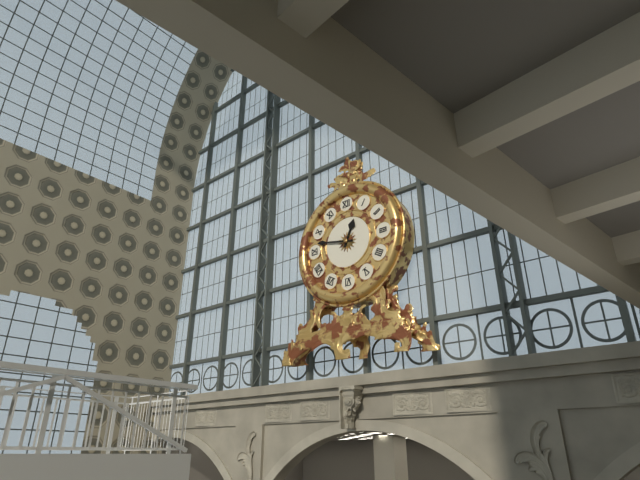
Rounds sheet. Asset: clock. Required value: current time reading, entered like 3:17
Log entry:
12:47
